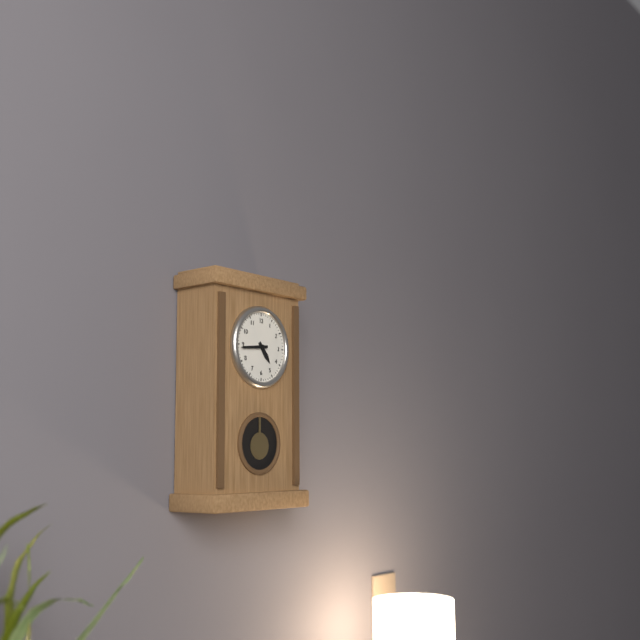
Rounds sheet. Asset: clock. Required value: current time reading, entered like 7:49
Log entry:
4:44
